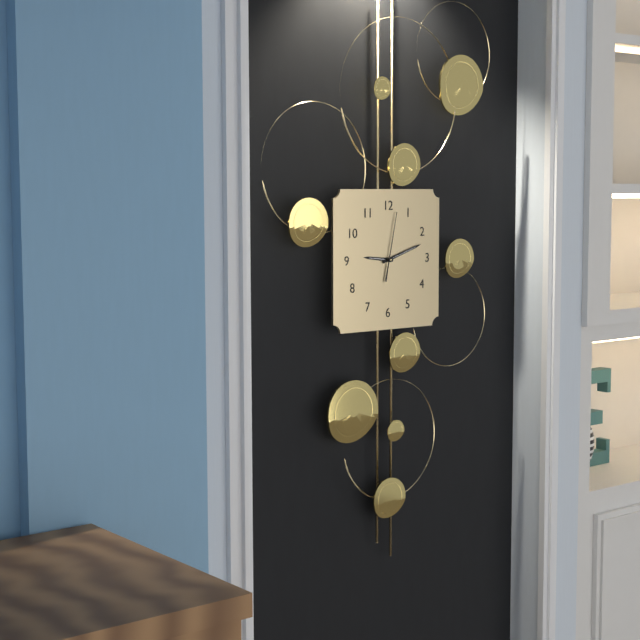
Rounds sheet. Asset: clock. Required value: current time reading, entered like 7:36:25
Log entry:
9:12:02
